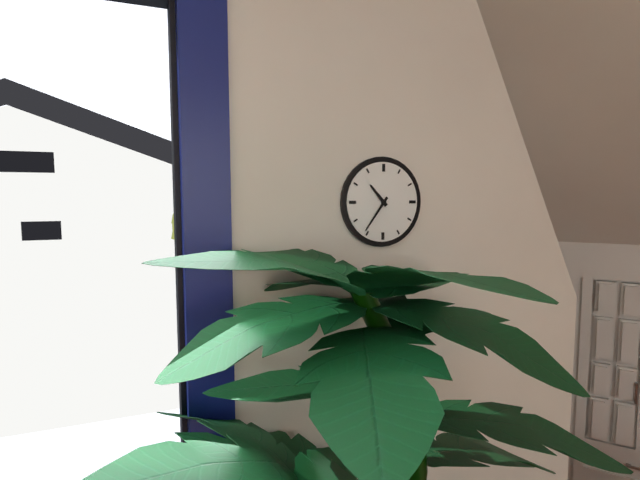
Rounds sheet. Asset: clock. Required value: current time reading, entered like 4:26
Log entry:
10:36
